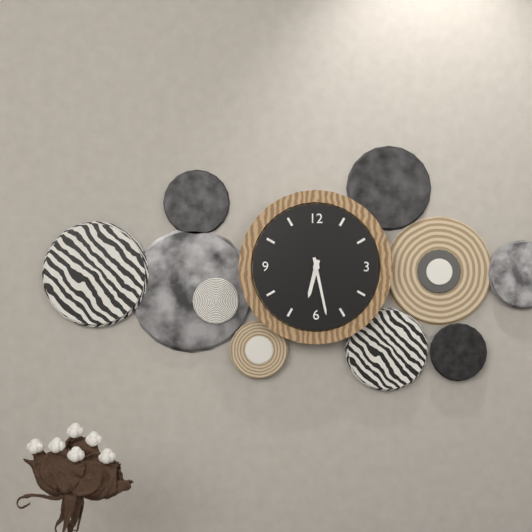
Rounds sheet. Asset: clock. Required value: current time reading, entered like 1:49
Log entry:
6:28
